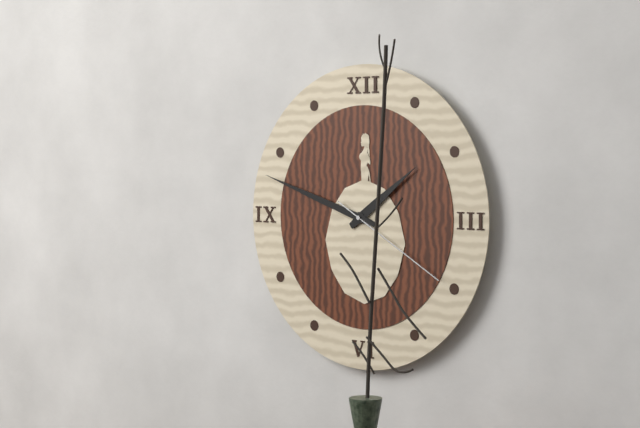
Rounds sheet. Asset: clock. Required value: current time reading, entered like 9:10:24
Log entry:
1:48:20
